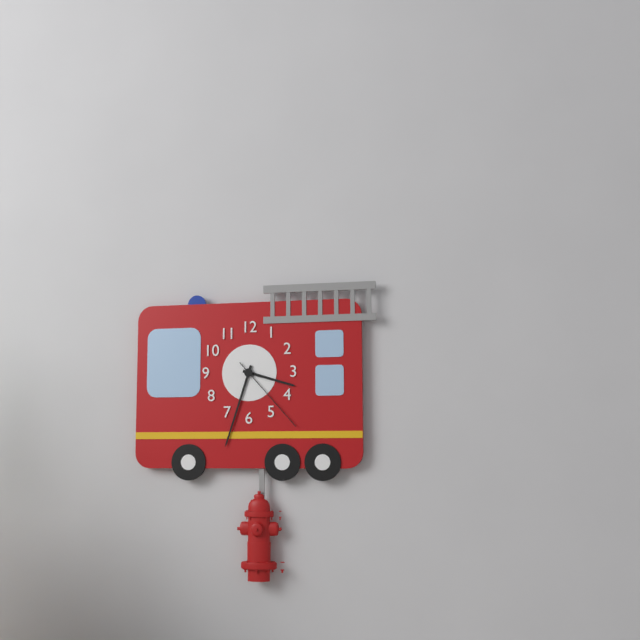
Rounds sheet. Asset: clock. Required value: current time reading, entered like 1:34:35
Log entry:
3:33:23
